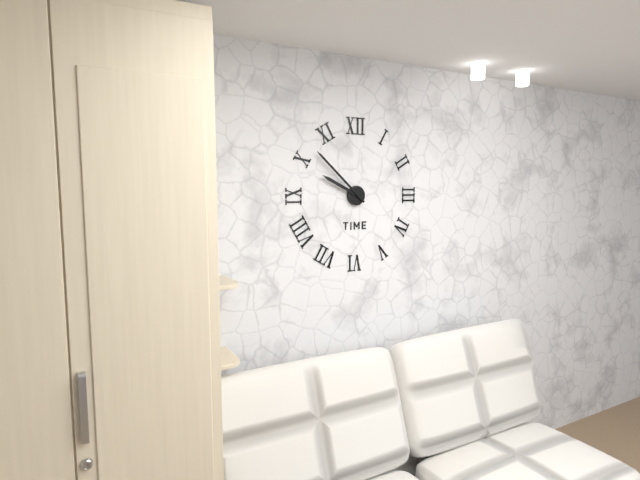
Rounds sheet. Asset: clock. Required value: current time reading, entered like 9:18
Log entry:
9:52
